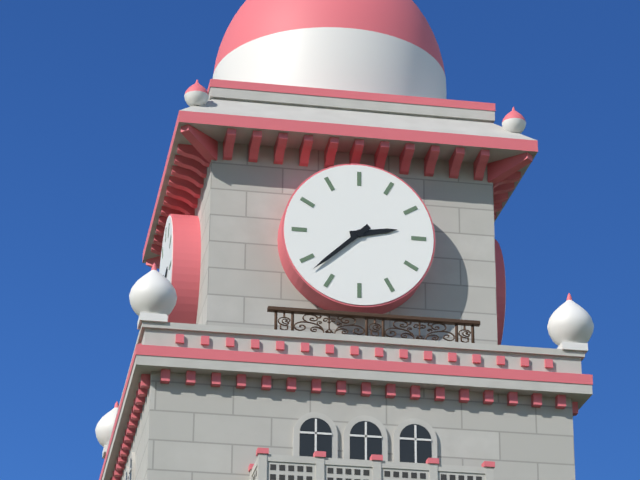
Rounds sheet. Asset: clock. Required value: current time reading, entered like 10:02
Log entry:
2:38
